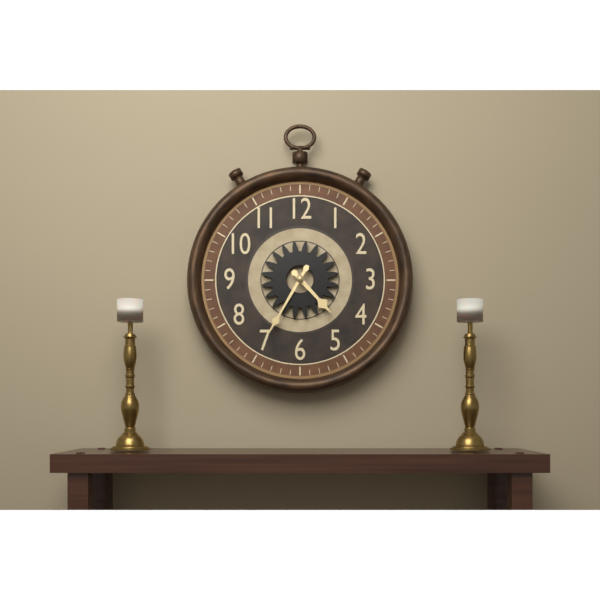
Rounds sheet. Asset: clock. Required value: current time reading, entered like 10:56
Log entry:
4:35
